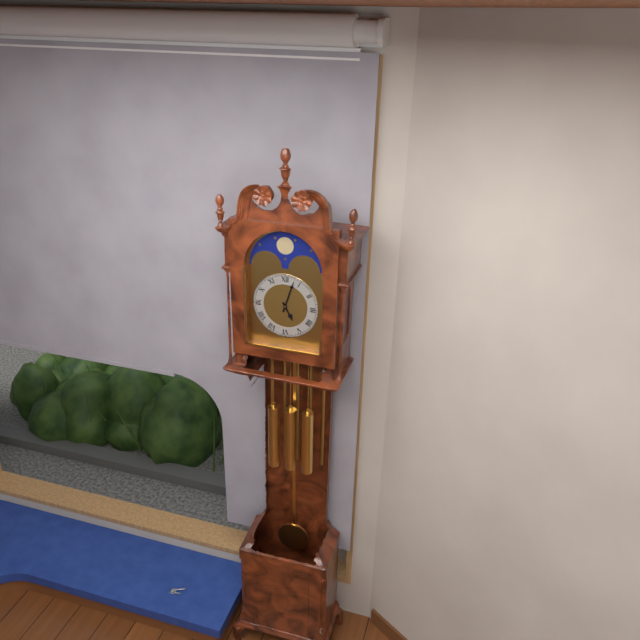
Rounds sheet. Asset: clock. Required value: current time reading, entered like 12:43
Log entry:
5:03
